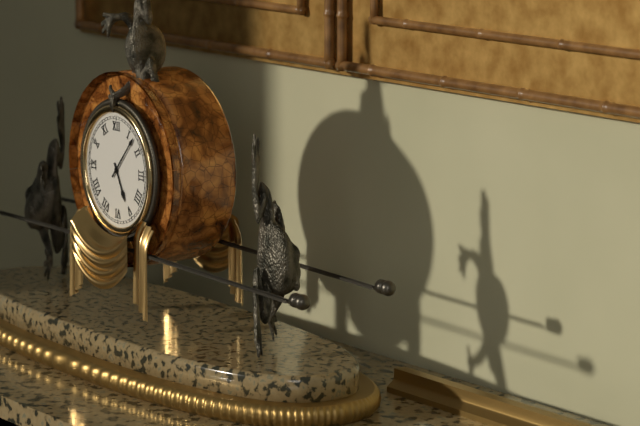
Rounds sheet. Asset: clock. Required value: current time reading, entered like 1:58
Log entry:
5:07
